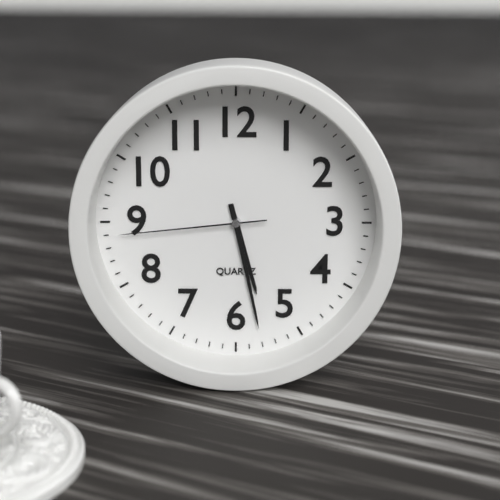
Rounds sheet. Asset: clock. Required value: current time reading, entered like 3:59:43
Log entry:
5:28:44
